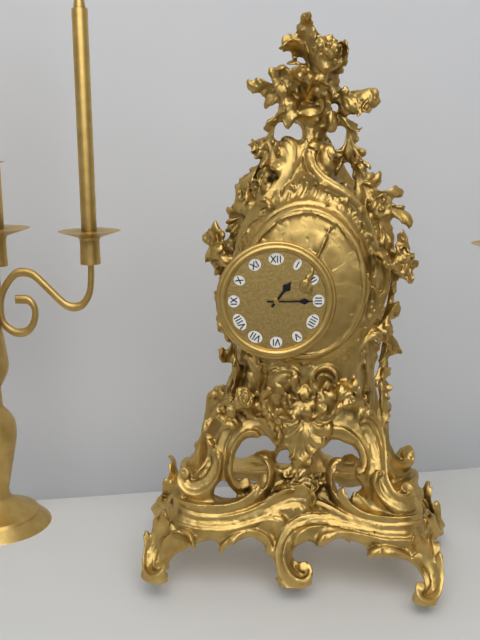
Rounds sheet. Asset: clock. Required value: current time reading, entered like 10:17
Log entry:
1:15
